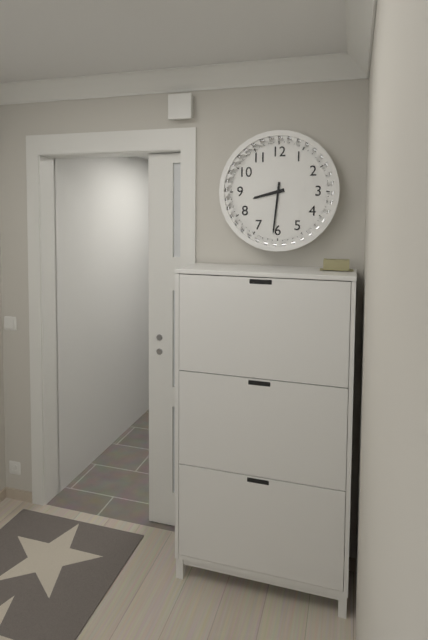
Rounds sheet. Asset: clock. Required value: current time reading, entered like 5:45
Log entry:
8:31
